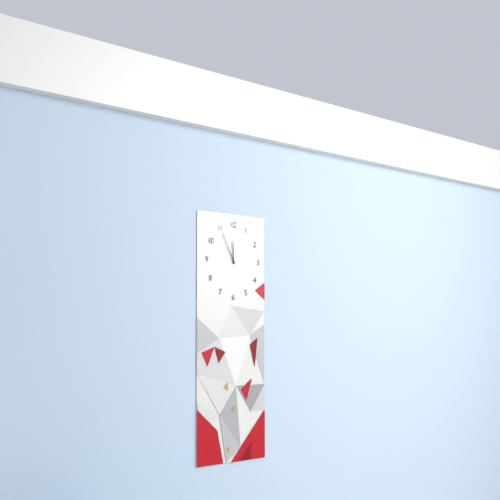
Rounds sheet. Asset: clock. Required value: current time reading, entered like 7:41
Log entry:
11:55
